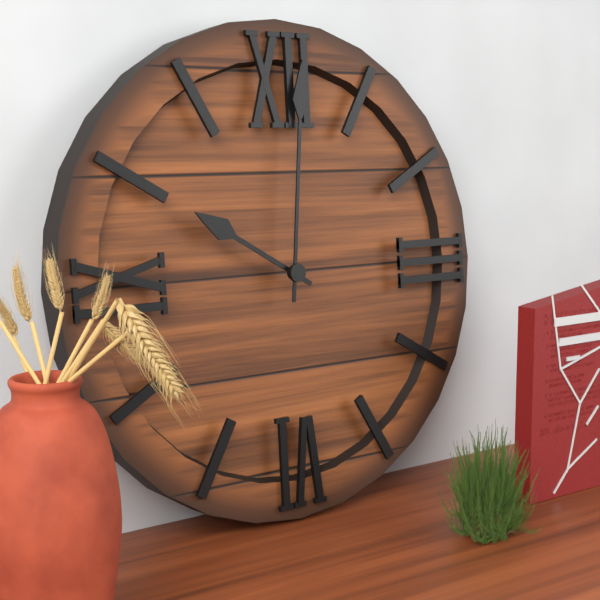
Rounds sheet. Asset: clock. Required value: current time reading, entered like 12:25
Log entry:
10:01
